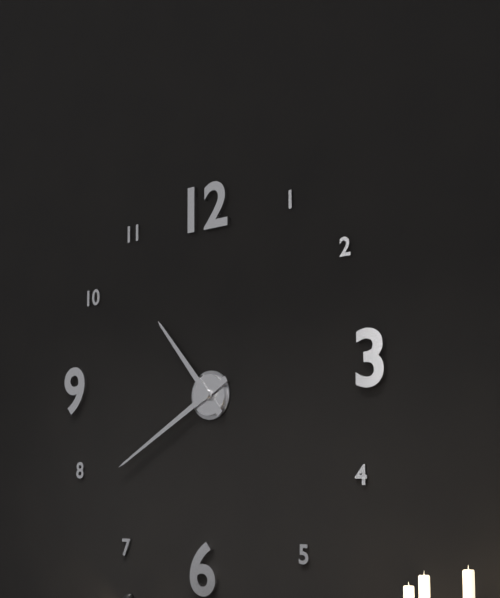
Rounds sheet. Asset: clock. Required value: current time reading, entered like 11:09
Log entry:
10:40
